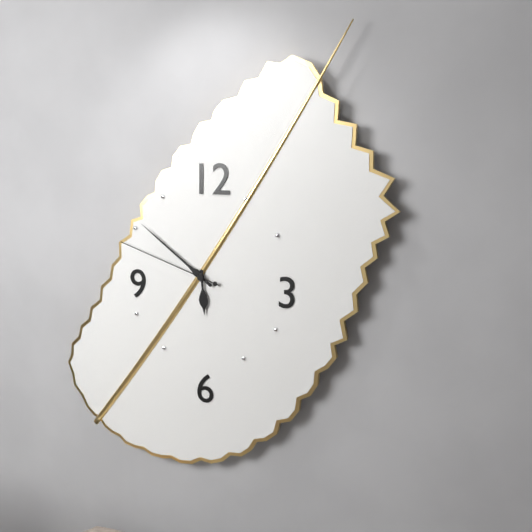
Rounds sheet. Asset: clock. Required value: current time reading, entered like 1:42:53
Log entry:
5:51:48
